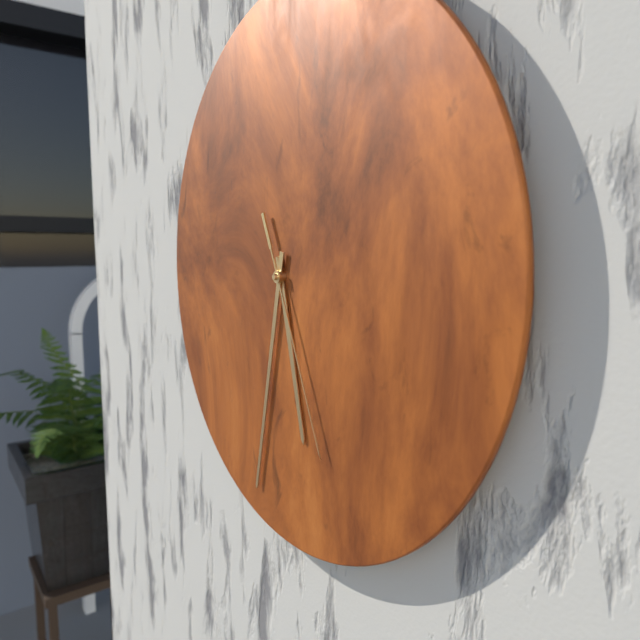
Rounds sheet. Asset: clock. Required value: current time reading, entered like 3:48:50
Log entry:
5:32:26
